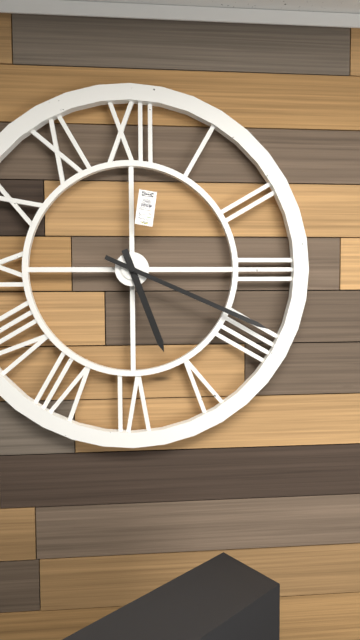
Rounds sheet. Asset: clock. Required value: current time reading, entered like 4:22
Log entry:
5:19
